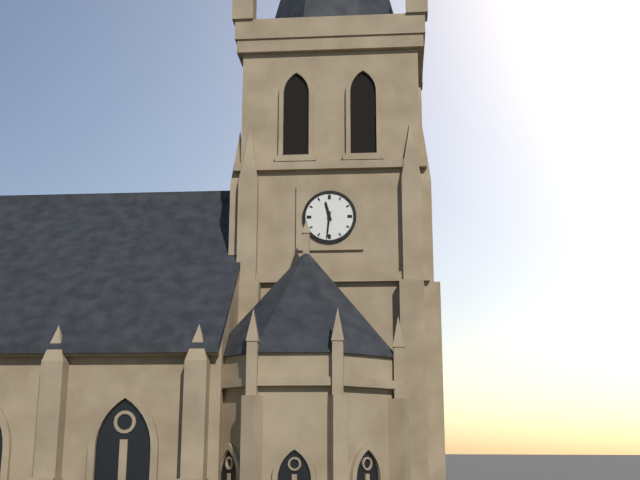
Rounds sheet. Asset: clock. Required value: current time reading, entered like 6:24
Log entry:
11:31
